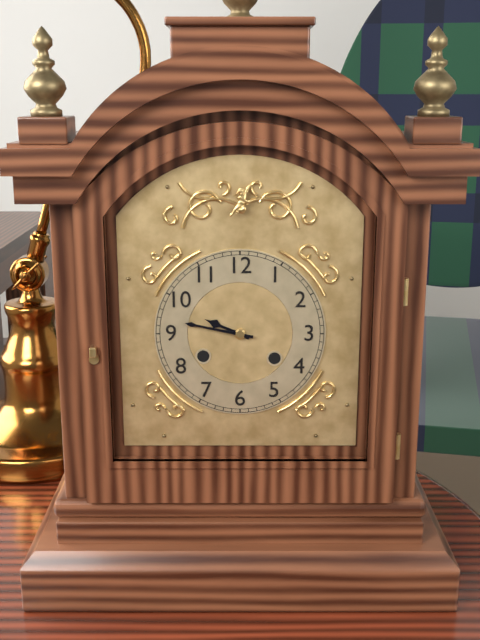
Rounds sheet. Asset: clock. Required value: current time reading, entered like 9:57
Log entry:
9:47
